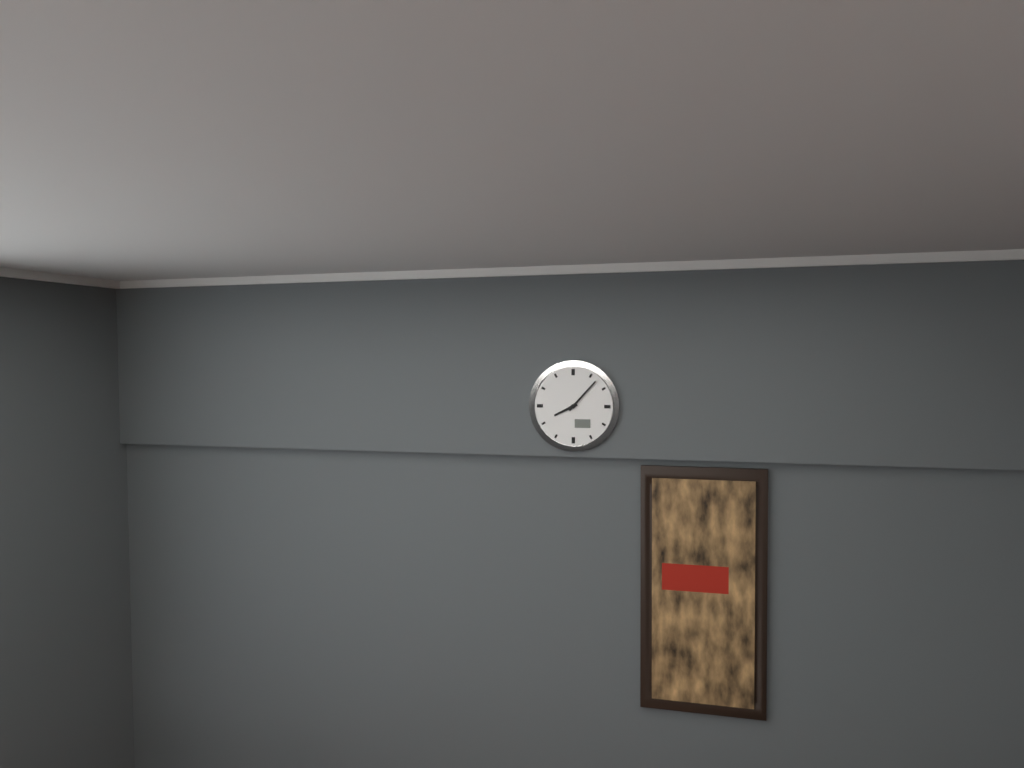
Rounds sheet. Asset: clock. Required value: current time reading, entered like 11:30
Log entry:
8:07
